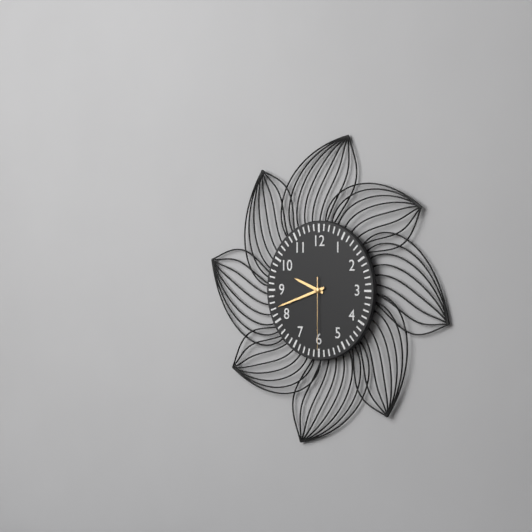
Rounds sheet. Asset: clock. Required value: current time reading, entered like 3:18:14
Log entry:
9:42:30
